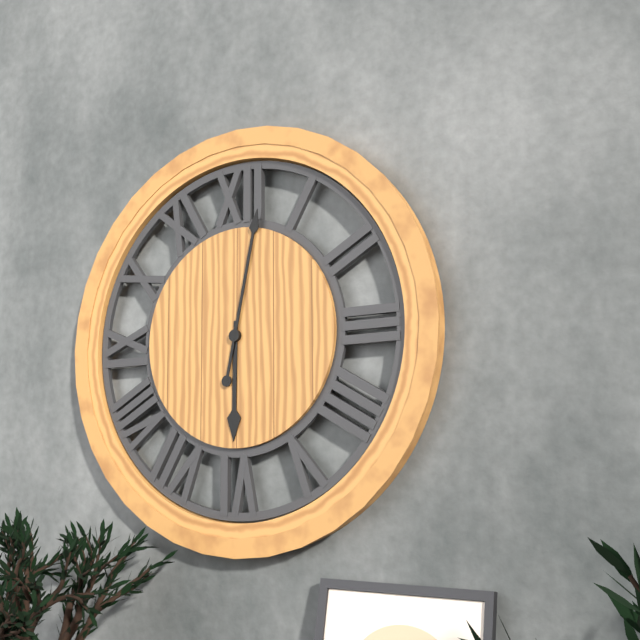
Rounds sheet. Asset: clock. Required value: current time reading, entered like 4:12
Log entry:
6:02
